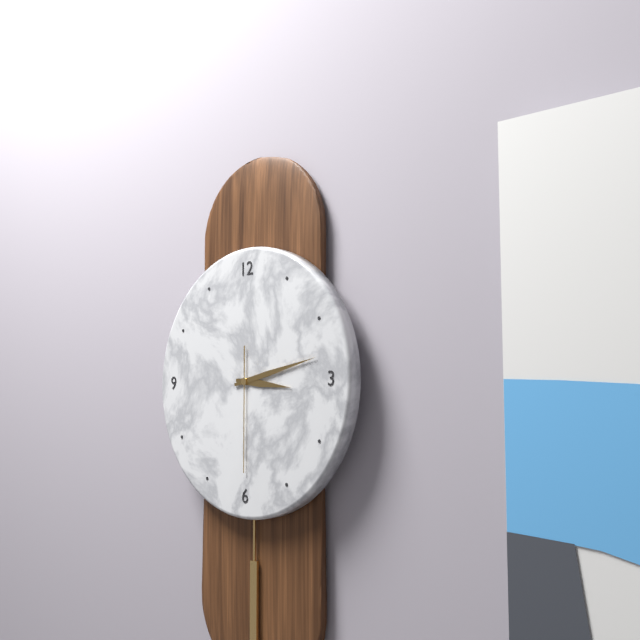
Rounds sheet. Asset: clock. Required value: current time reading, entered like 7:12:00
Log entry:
3:13:30
